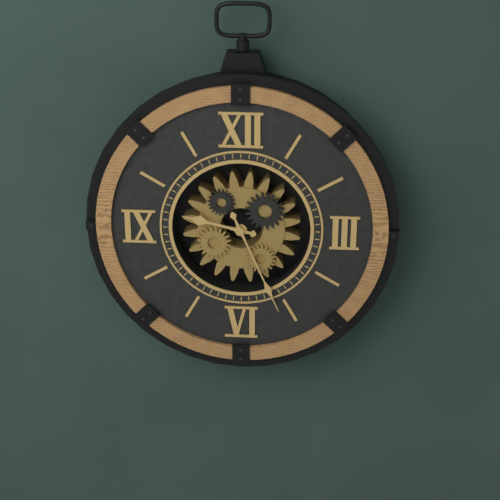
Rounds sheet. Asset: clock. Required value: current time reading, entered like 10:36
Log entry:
9:26
